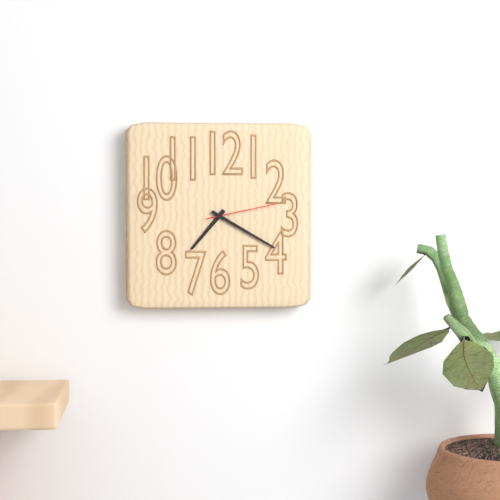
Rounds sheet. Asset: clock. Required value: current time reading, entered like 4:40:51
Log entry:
7:20:13
